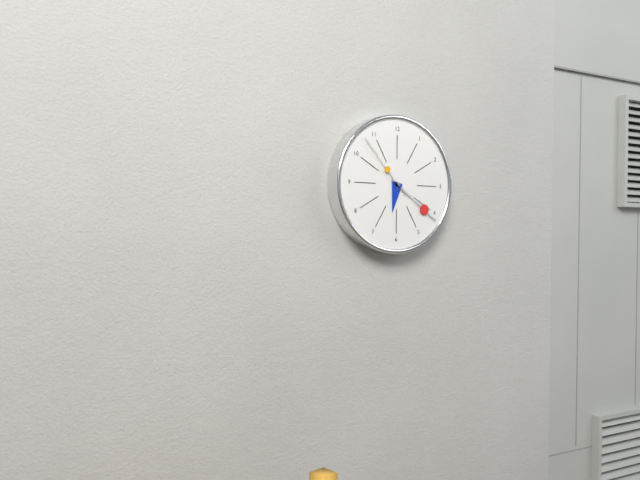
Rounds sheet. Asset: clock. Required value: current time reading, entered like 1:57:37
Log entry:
6:21:53
